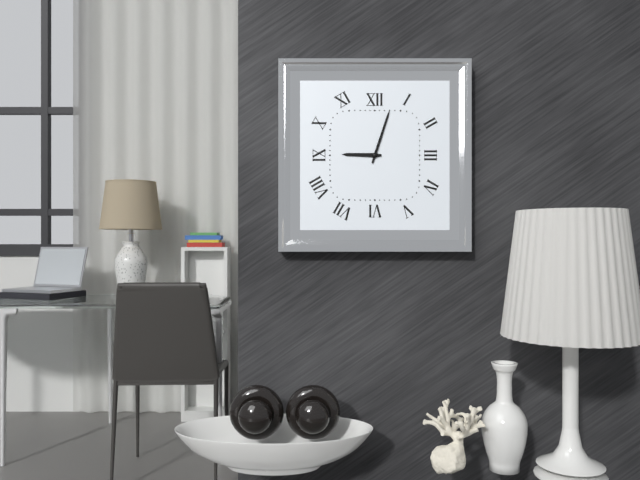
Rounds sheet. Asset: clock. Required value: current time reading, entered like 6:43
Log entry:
9:03
